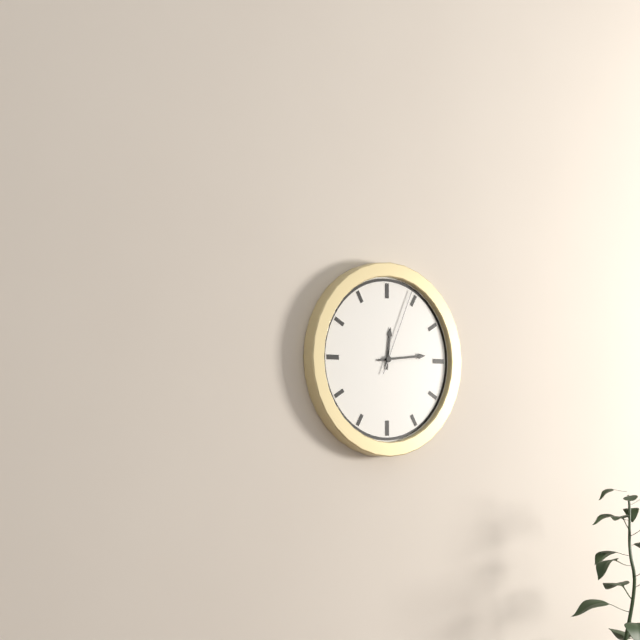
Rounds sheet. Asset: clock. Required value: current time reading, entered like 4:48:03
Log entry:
12:14:04
